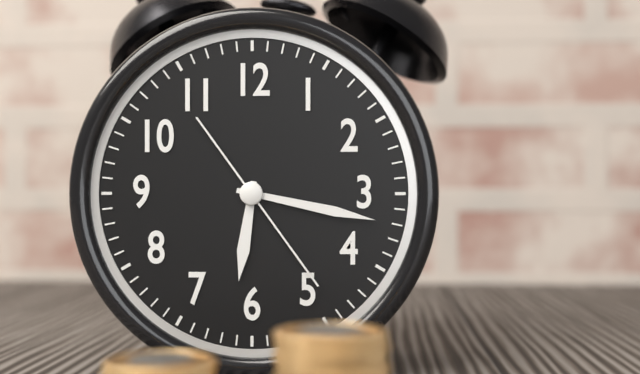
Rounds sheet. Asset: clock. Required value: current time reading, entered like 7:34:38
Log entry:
6:17:24
